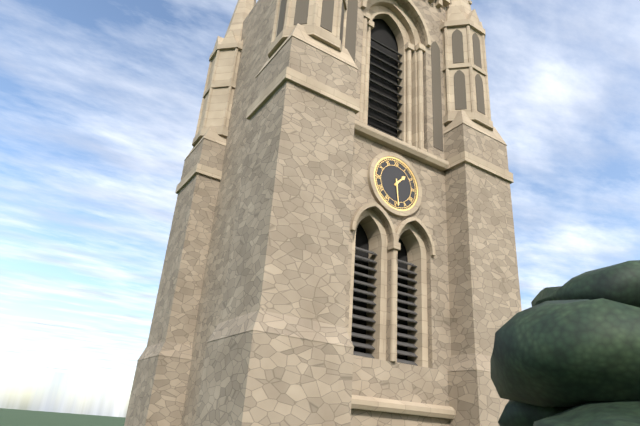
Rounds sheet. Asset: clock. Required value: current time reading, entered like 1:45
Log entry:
1:29
